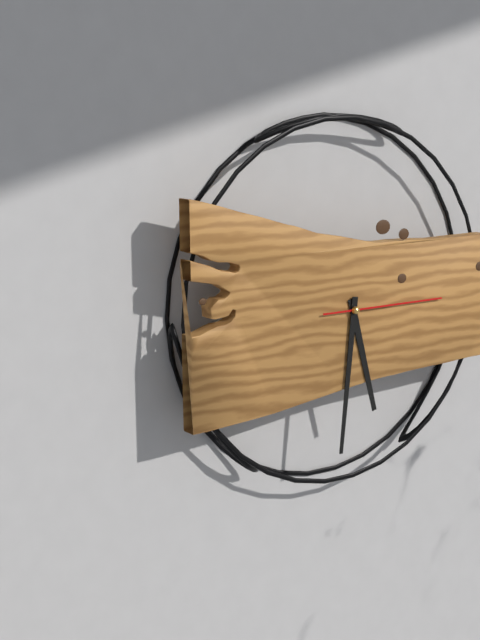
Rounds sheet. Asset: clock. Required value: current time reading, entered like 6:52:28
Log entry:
5:31:15
